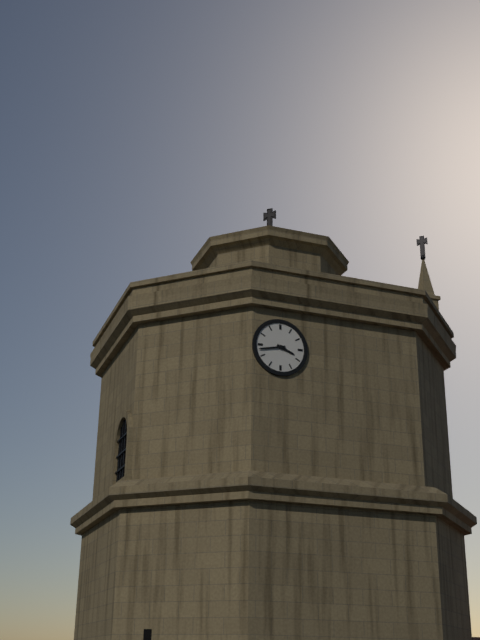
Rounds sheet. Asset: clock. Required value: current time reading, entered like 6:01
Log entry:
3:43
